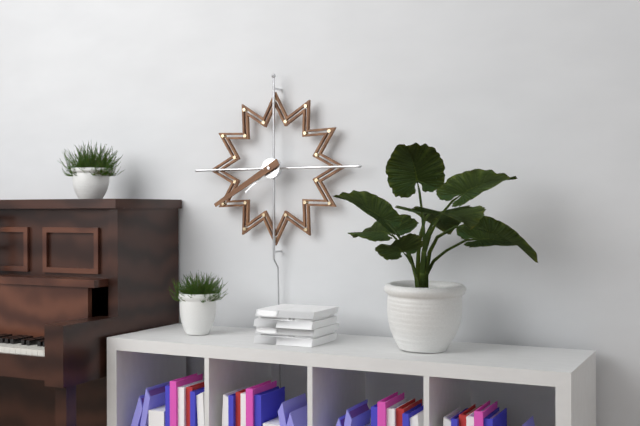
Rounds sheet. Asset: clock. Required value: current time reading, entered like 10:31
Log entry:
7:40
